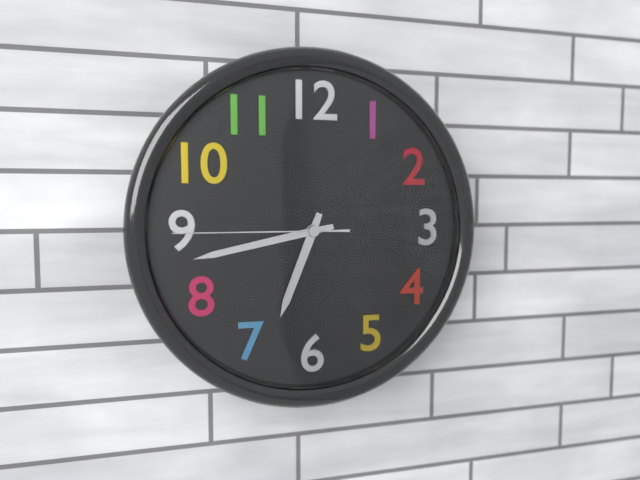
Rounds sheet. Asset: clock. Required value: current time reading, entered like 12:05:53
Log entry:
6:43:45
